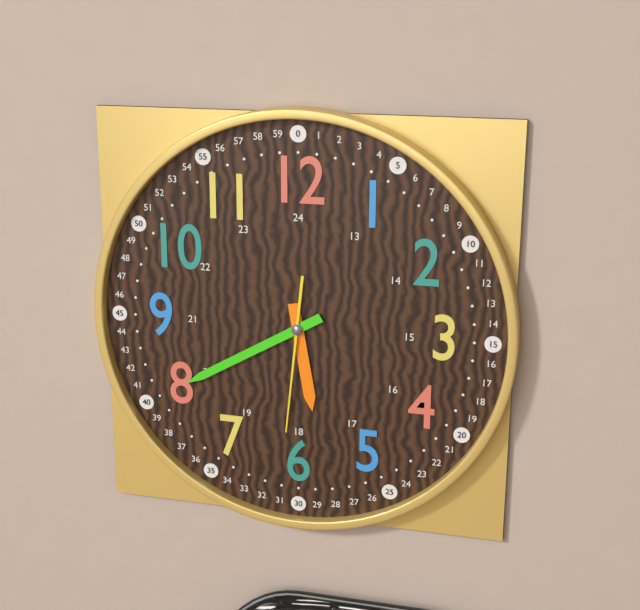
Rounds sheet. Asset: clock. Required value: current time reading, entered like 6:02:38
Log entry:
5:40:31
